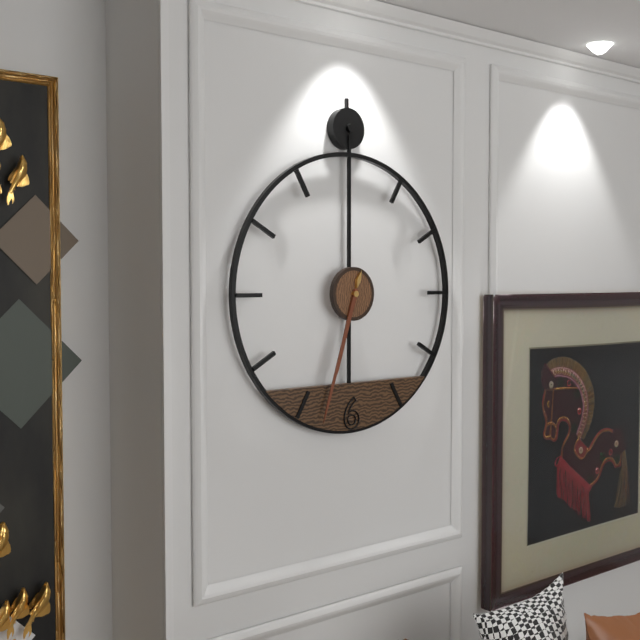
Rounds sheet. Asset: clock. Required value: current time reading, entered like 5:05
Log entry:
6:33
